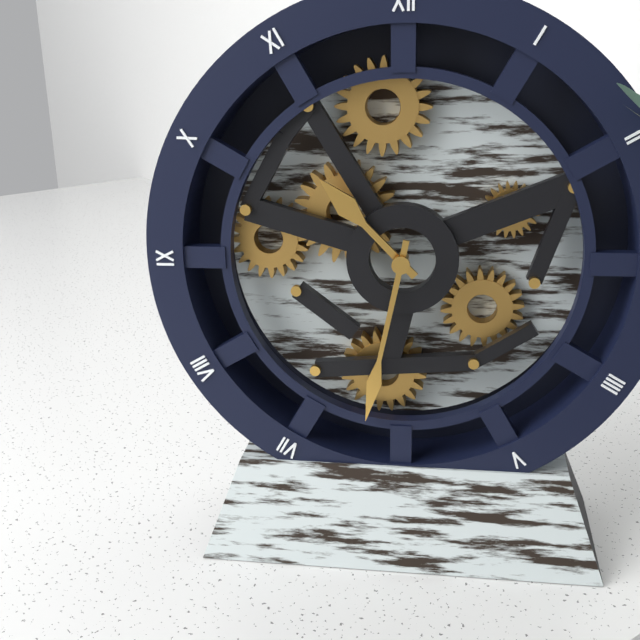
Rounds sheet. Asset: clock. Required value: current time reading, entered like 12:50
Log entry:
10:32
